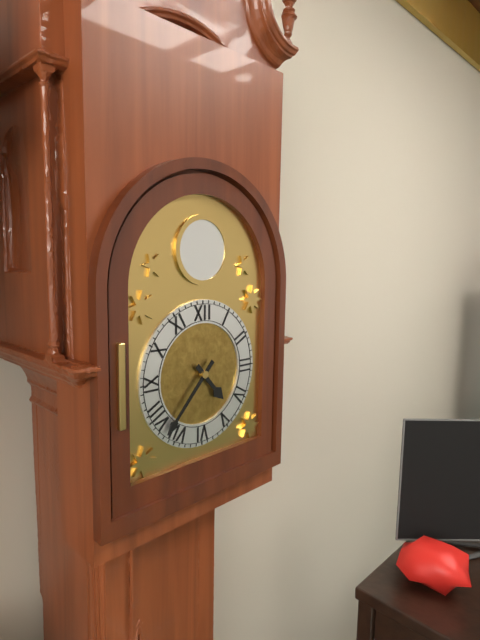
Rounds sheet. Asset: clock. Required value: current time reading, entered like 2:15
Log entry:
4:37
